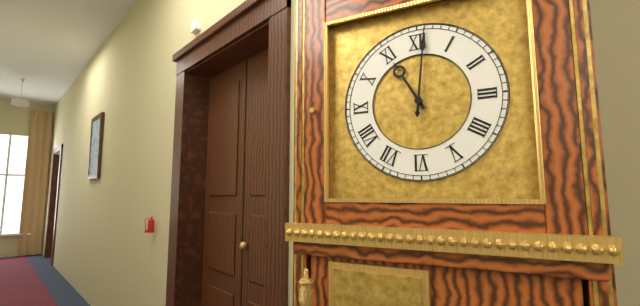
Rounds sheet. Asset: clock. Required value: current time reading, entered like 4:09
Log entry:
11:01
